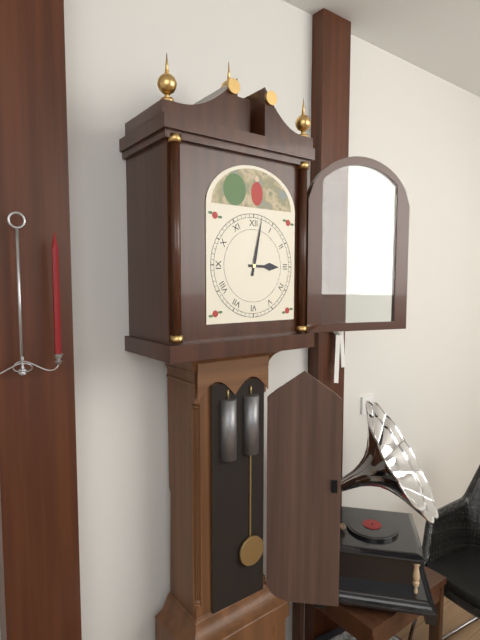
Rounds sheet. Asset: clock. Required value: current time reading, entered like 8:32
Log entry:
3:02
